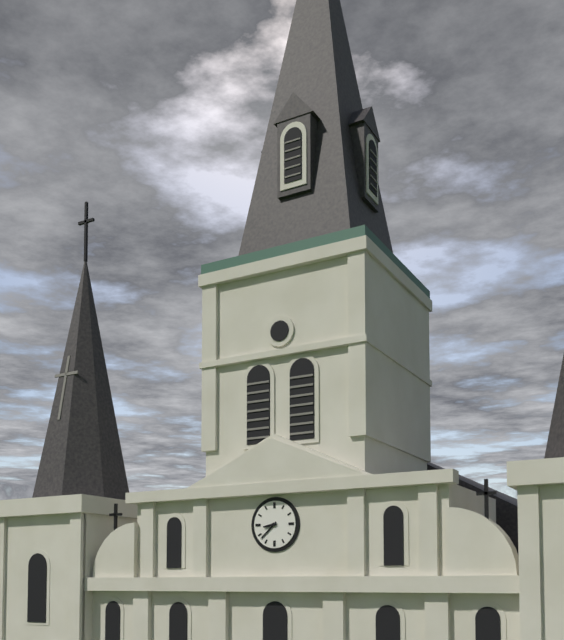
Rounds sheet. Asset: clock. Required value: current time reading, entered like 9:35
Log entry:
8:38
